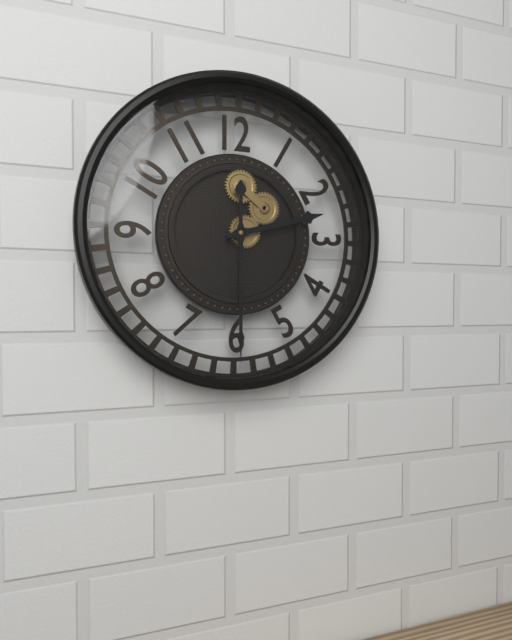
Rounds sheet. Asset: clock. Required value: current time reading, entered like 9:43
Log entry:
2:30
